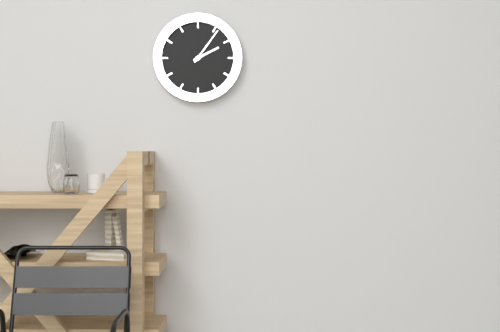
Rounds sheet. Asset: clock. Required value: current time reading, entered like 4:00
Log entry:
2:06
